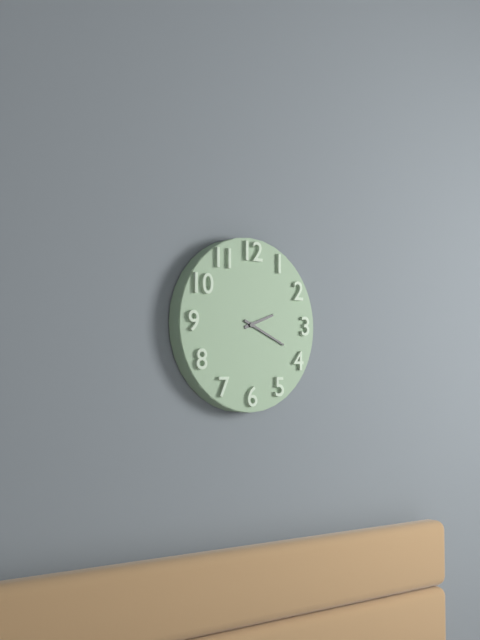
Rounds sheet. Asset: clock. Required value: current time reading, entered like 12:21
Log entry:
2:19
